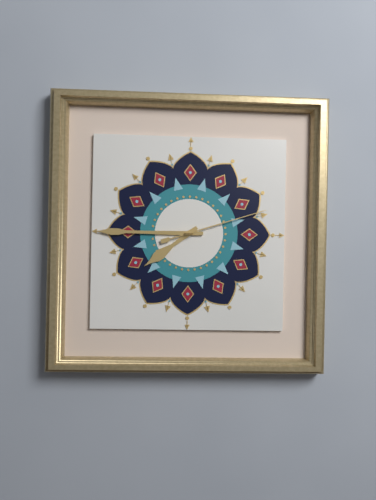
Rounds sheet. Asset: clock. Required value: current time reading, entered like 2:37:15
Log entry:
7:45:12
